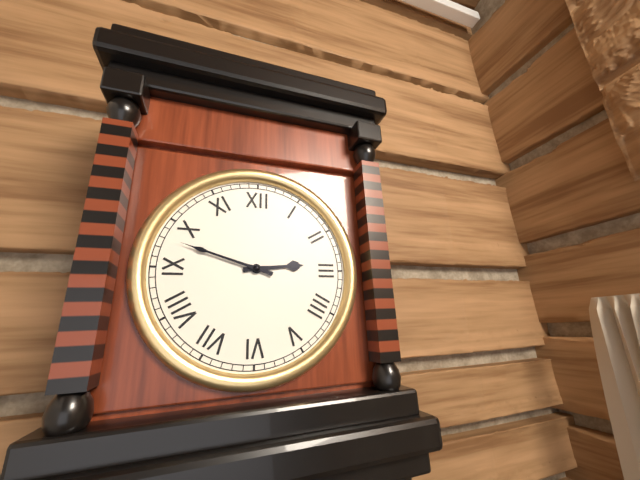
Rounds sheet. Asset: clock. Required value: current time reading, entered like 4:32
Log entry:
2:48
